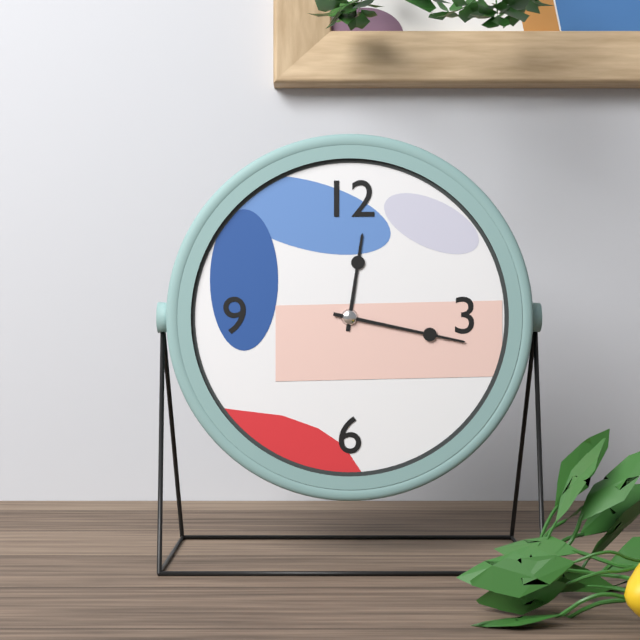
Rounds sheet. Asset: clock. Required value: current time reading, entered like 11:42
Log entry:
12:17
